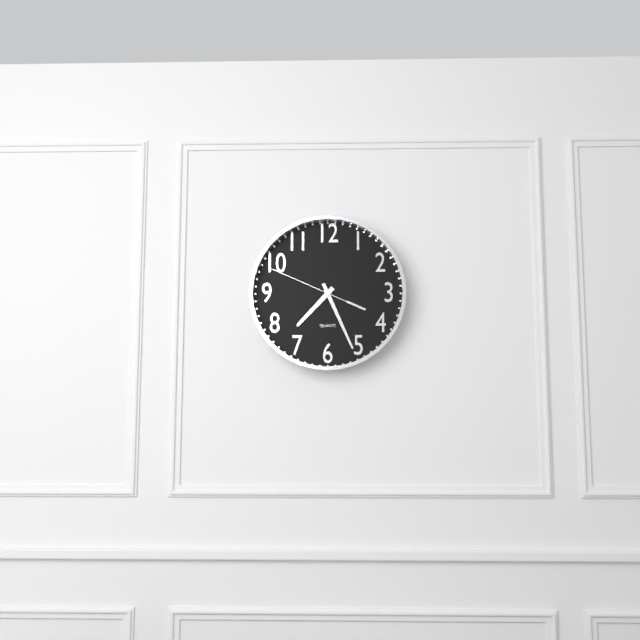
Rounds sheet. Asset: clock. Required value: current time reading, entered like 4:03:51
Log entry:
7:26:49
